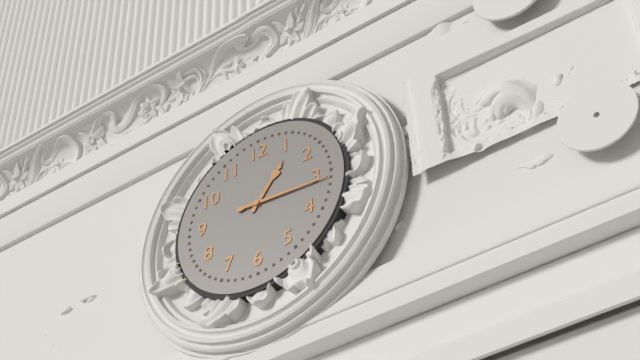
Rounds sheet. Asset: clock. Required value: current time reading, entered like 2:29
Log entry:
1:16
